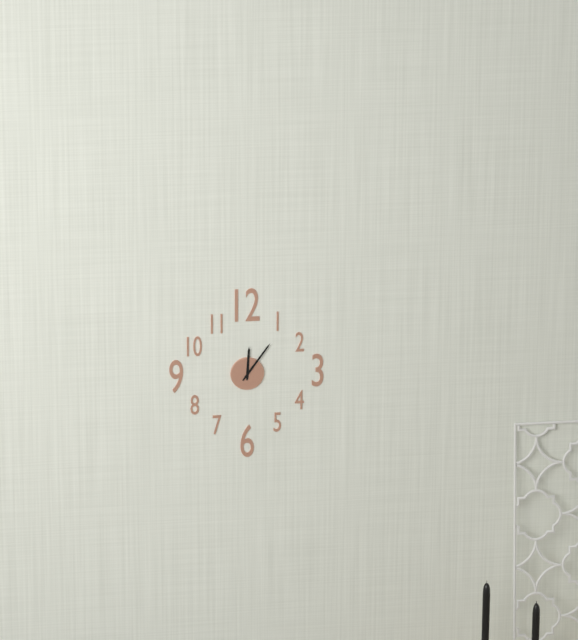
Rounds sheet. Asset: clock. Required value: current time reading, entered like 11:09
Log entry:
12:06
